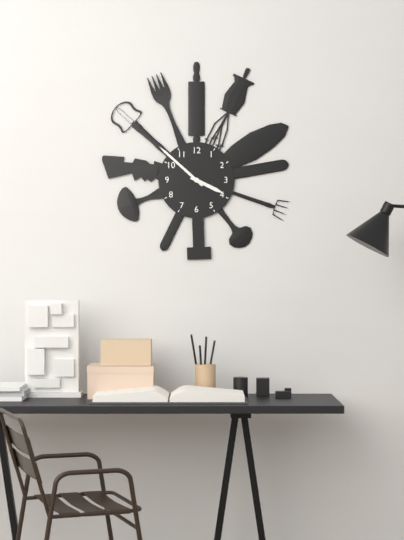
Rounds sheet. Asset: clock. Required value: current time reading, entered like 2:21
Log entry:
3:52
